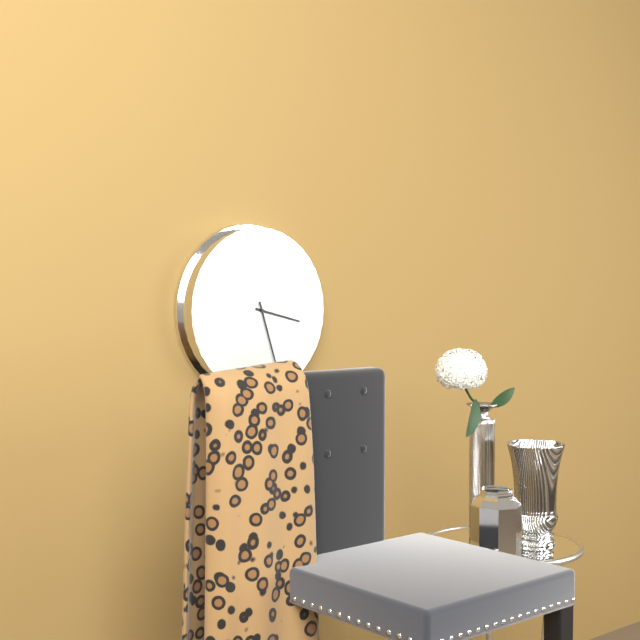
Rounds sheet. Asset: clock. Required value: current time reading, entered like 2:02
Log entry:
3:27
